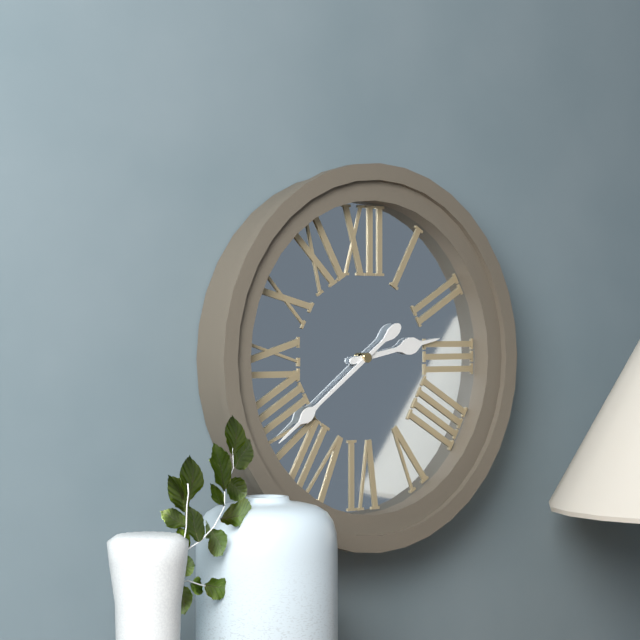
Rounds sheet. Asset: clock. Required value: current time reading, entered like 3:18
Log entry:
2:39
